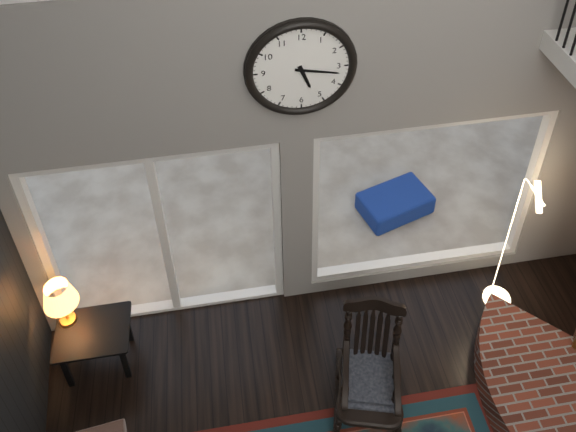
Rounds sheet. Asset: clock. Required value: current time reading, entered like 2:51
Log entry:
5:17
